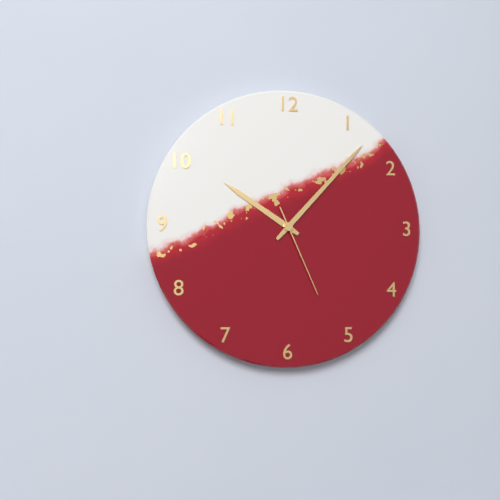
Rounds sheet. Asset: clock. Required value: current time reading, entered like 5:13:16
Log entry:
10:07:26
